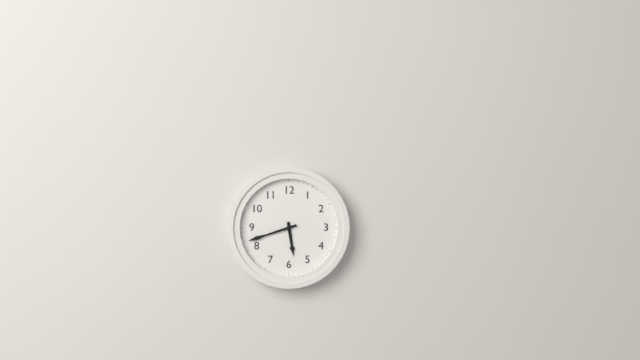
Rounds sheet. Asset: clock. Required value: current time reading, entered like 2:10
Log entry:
5:42
